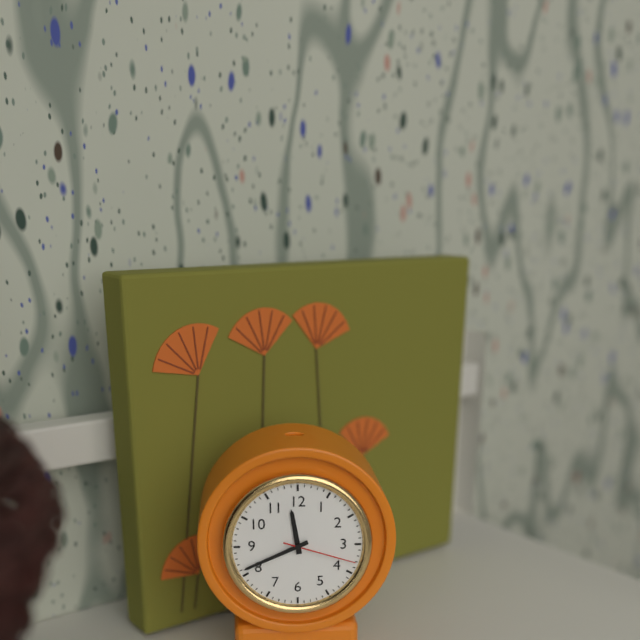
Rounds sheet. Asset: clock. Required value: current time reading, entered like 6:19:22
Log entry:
11:41:18
